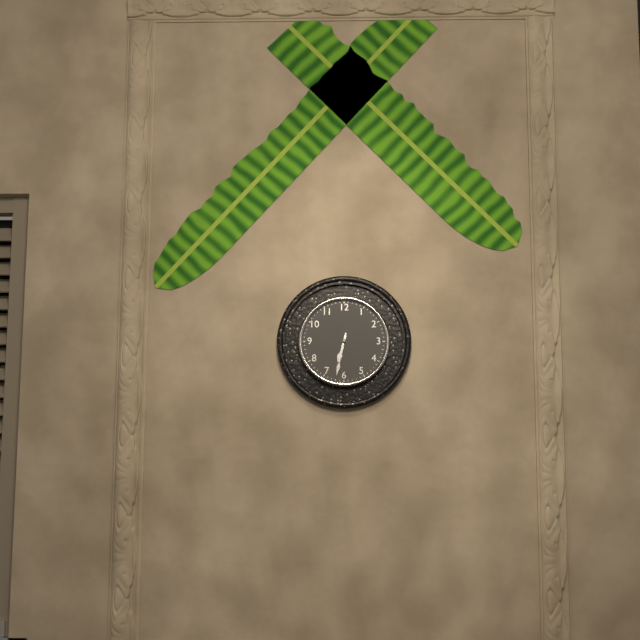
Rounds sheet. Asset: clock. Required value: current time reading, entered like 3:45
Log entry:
6:32
